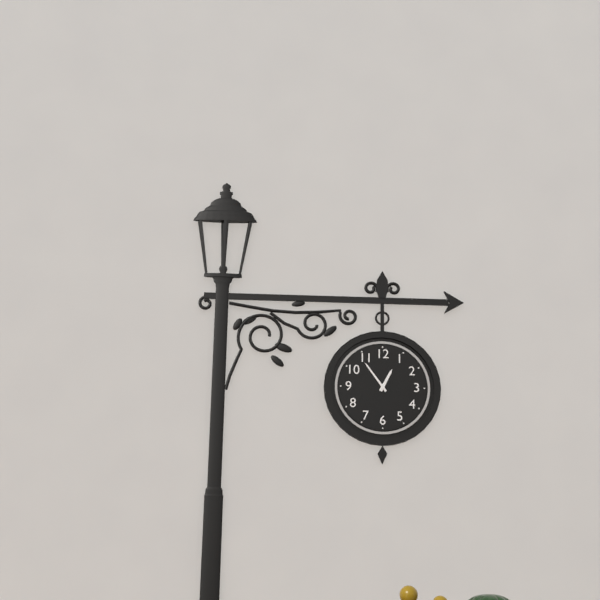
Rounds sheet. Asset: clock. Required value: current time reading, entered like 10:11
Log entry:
12:54
